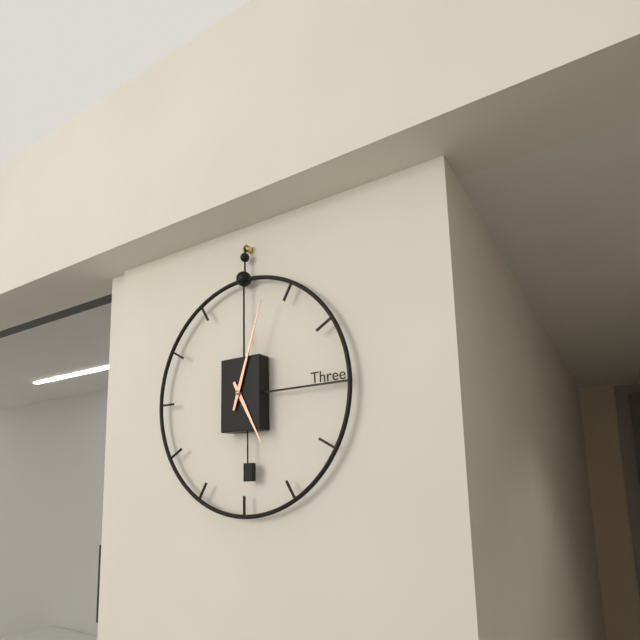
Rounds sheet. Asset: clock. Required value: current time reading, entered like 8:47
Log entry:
5:03
